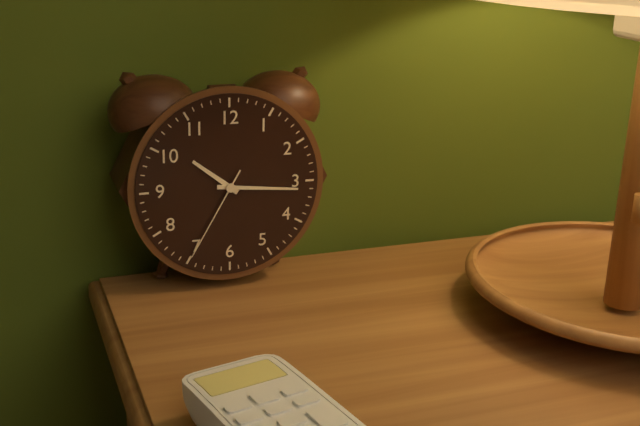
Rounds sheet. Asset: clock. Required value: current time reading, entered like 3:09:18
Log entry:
10:16:35
